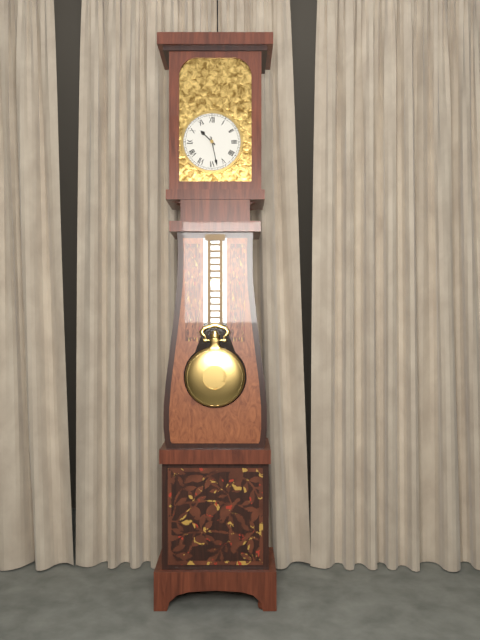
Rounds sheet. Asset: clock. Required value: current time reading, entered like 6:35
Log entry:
10:28
